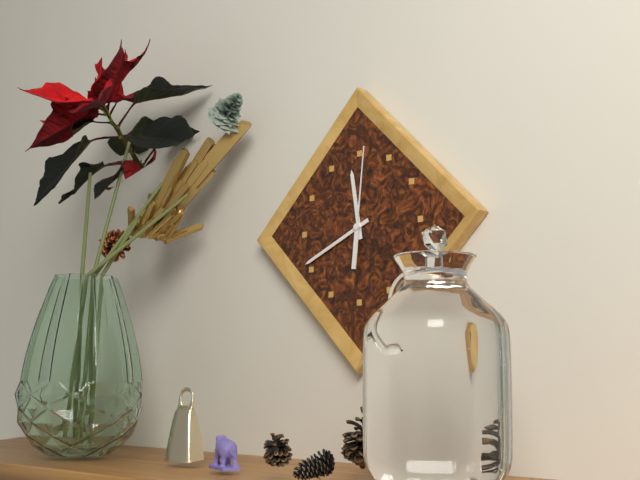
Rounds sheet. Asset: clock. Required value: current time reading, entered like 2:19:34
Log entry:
11:41:01
